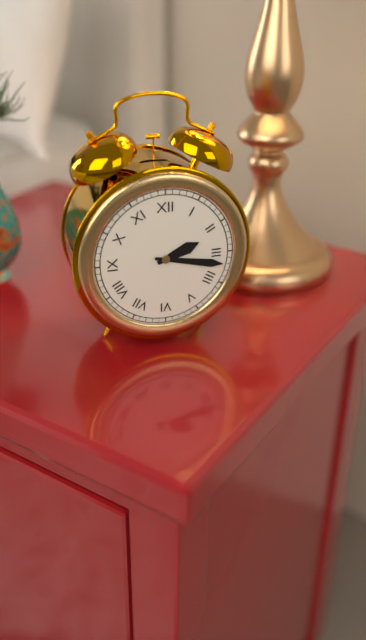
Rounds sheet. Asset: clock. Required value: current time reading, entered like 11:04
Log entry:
2:17
